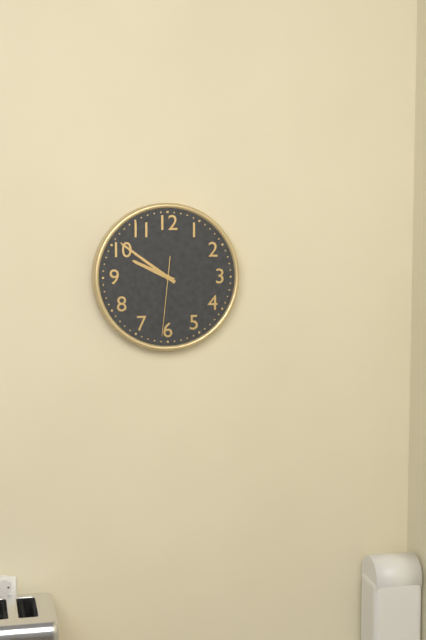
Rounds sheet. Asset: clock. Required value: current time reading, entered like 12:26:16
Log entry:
9:51:31
